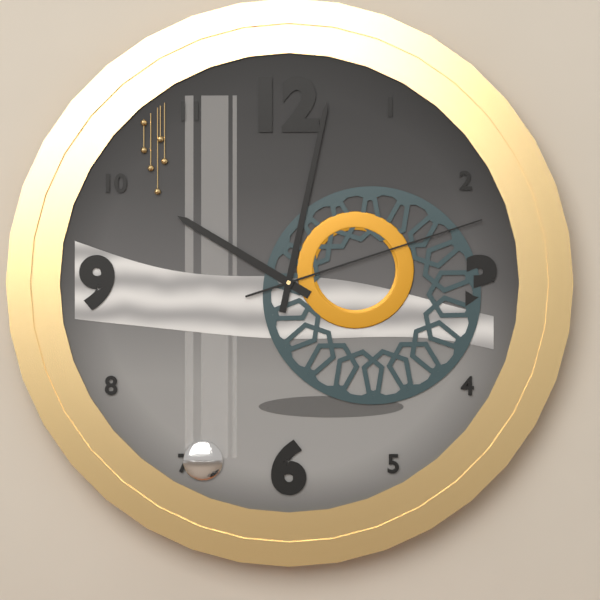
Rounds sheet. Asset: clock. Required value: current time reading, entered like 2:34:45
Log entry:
10:02:12
